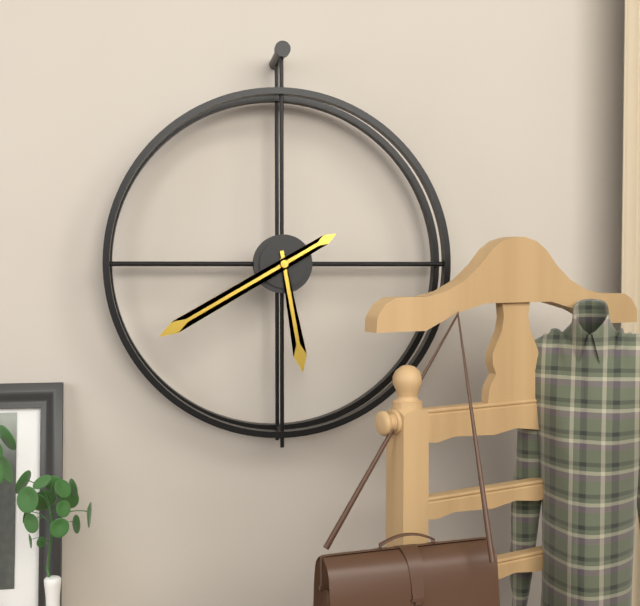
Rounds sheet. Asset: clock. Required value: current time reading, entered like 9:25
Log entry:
5:40
